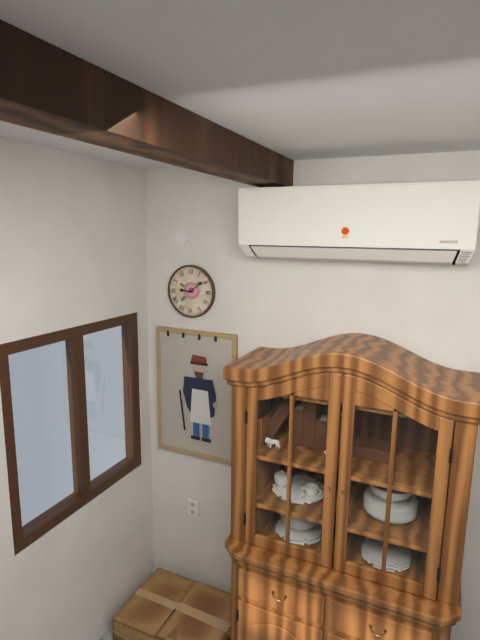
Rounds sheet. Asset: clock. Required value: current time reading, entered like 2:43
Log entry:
9:09
